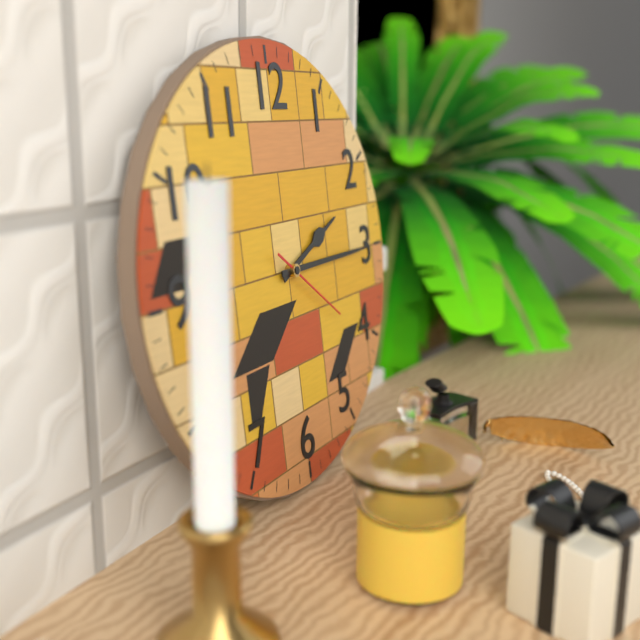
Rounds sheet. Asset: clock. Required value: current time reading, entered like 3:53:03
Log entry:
2:15:21
